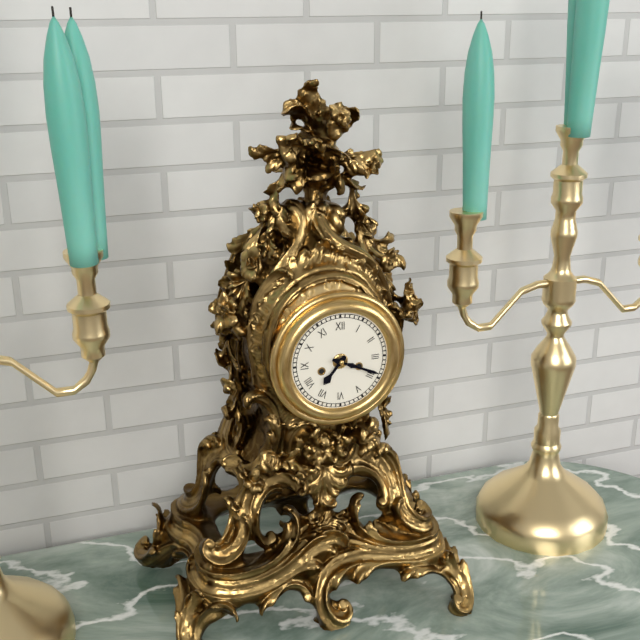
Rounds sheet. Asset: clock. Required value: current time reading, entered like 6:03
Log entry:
7:19
